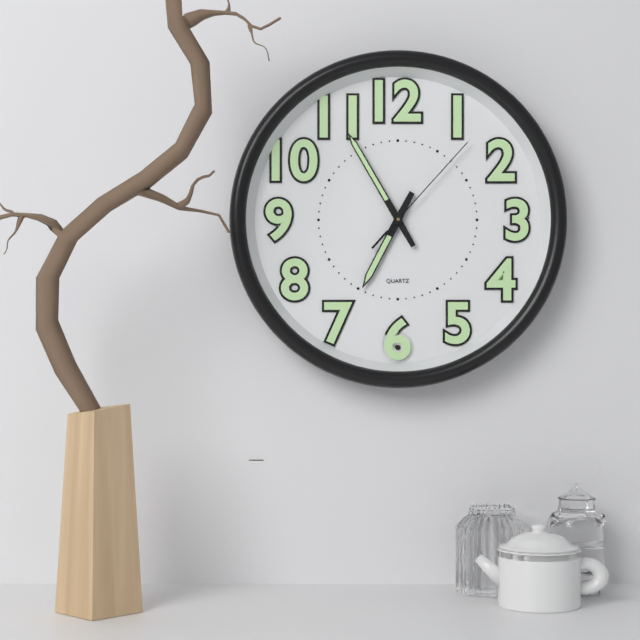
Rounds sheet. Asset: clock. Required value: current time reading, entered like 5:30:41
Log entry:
6:55:07
